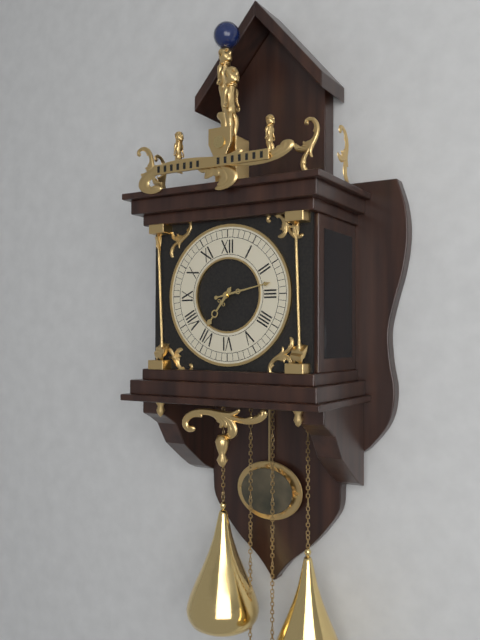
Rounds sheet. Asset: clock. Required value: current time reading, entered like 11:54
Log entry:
7:13
